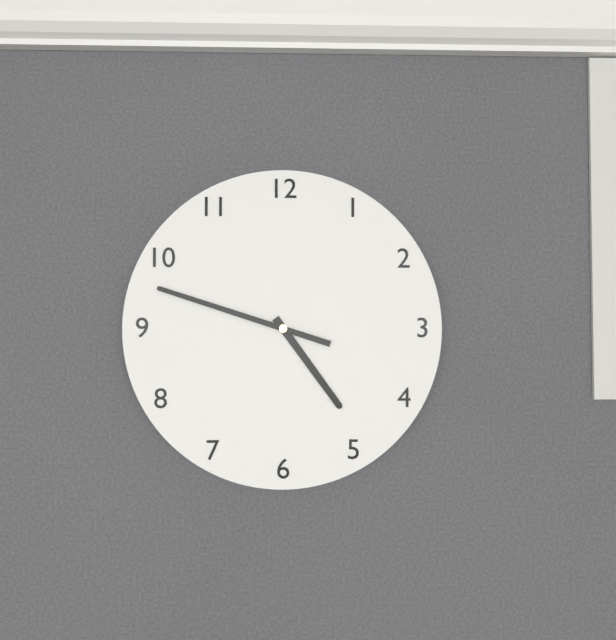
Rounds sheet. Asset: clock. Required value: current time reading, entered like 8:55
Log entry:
4:48
